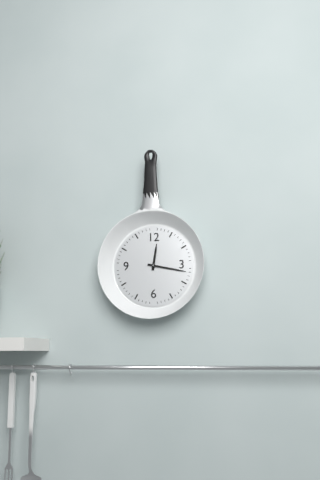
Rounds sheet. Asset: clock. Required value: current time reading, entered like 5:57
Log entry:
12:17
